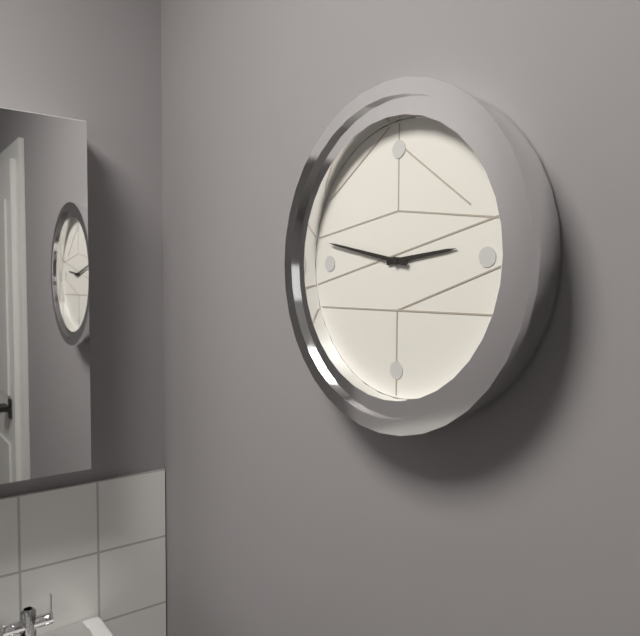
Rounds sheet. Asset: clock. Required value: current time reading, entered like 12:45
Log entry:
2:47
